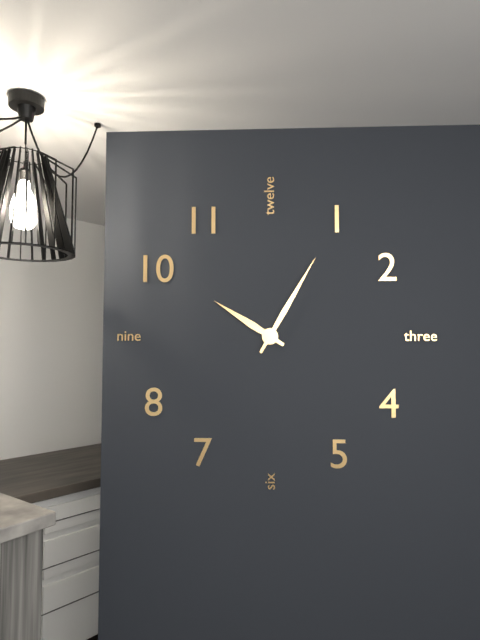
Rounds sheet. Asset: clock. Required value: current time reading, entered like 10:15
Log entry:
10:05
